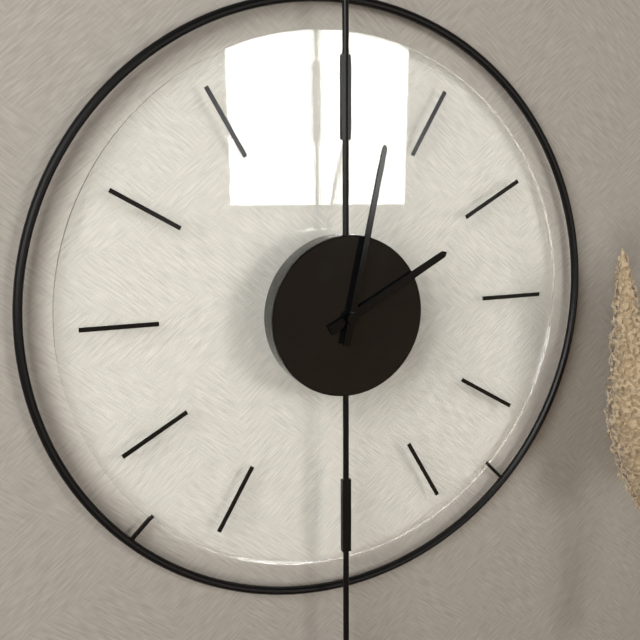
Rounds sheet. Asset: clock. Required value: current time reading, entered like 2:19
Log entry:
2:02
